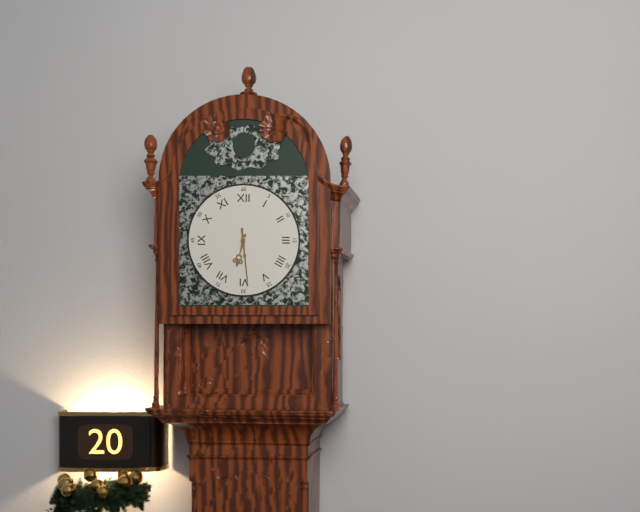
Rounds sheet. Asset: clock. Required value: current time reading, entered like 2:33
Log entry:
6:29
